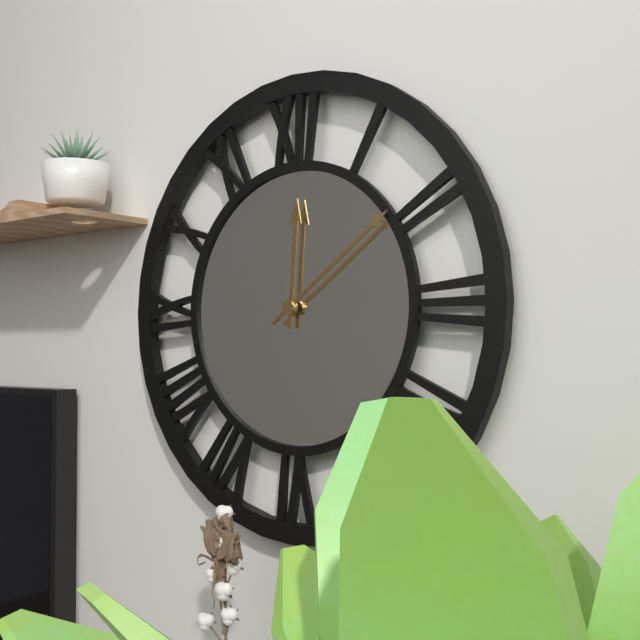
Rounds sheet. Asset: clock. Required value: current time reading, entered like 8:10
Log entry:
12:09
